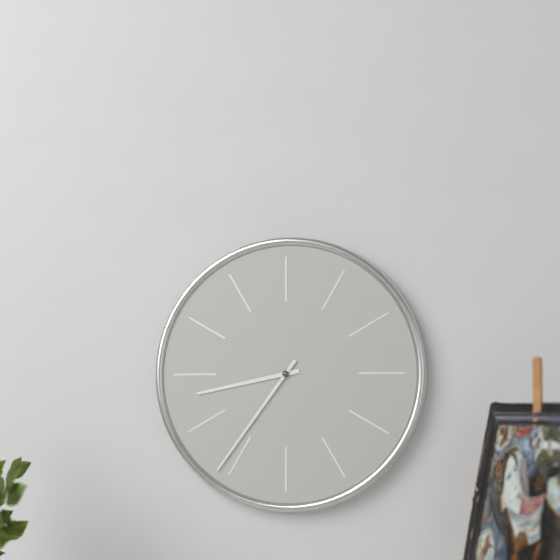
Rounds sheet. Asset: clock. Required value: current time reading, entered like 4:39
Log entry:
8:36
